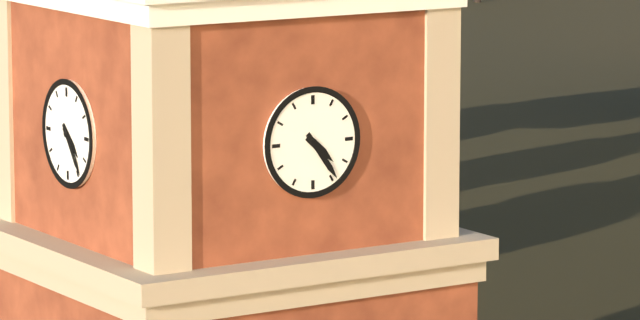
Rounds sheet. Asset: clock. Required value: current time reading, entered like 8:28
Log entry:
4:24
